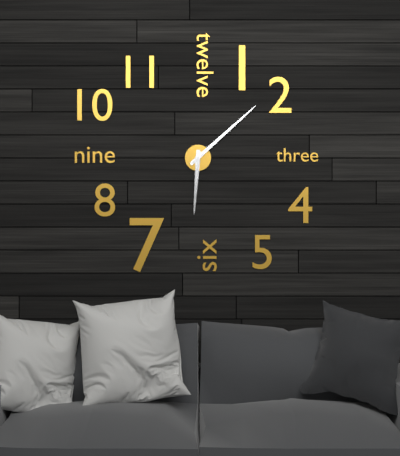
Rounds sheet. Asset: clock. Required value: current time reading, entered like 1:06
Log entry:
6:08
